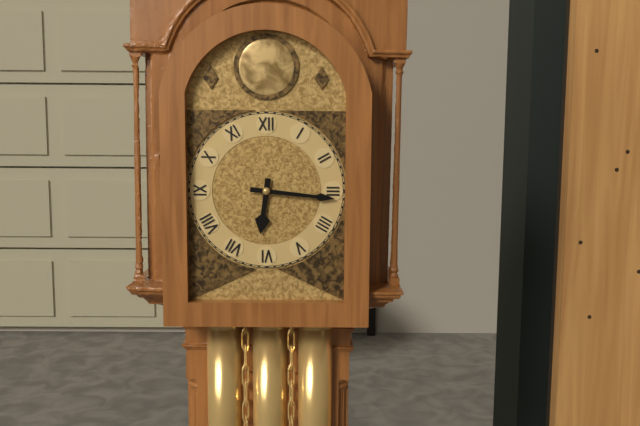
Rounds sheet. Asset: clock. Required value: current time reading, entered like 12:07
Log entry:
6:16
